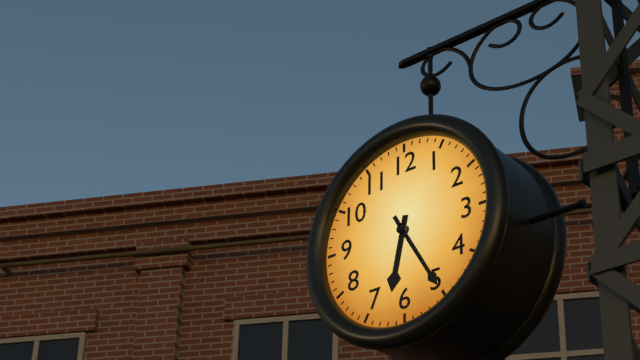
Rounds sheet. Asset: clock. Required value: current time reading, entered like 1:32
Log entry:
6:25
